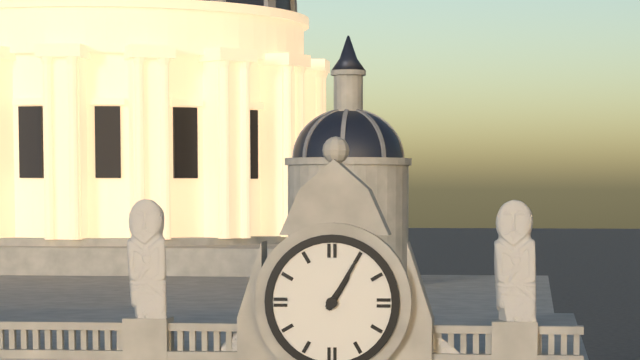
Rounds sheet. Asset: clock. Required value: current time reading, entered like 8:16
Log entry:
1:05
